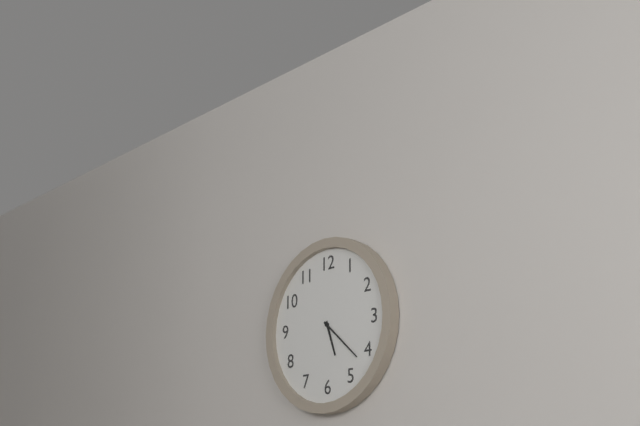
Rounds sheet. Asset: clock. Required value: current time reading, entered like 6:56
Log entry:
5:22
